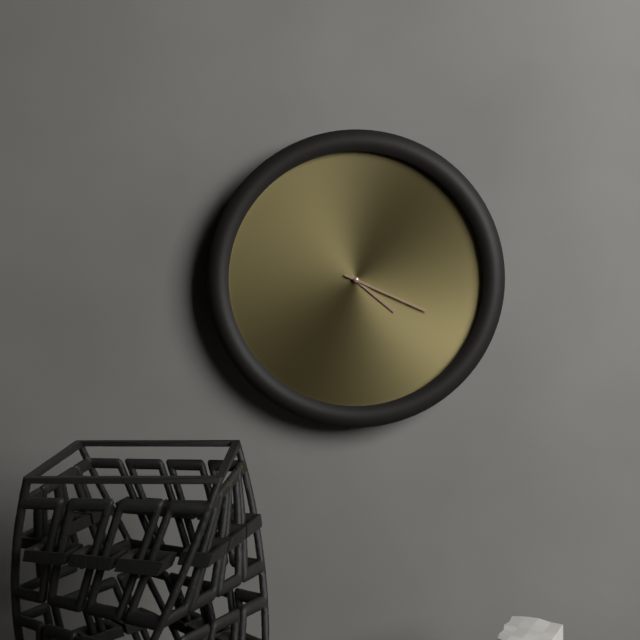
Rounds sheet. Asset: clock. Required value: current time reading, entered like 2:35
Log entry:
4:19
